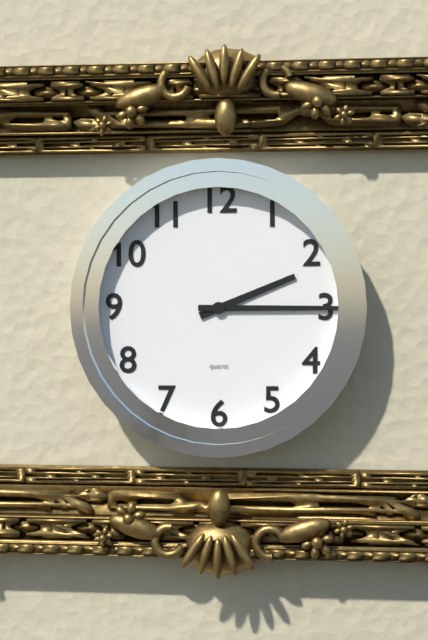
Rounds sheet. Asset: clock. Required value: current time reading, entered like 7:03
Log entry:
2:15
